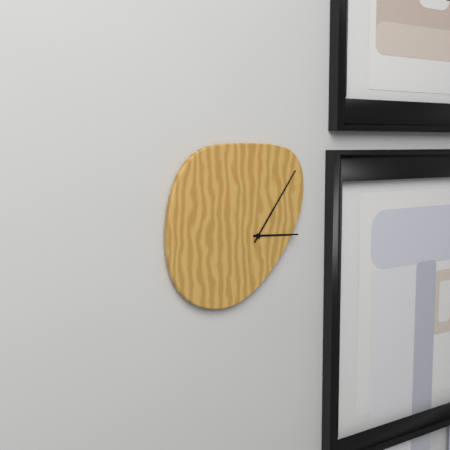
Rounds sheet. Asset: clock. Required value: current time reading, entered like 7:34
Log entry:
3:06
